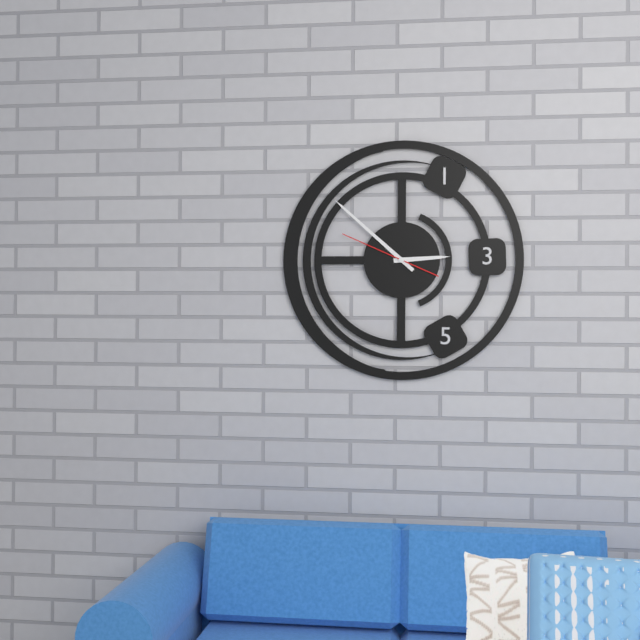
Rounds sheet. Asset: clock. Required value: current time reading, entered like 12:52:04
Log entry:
2:52:49
